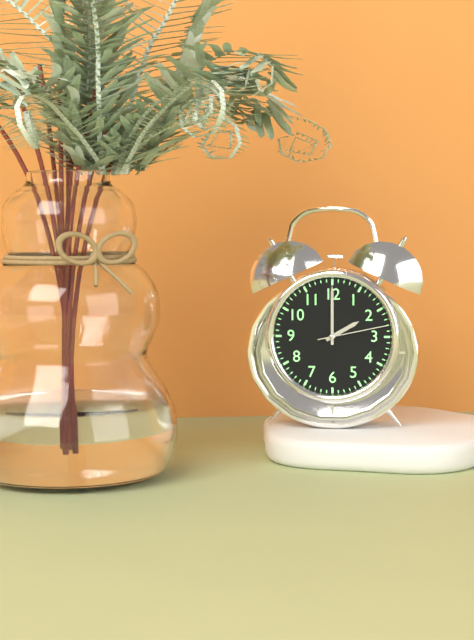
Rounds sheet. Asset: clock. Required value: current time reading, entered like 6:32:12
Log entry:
2:00:13
